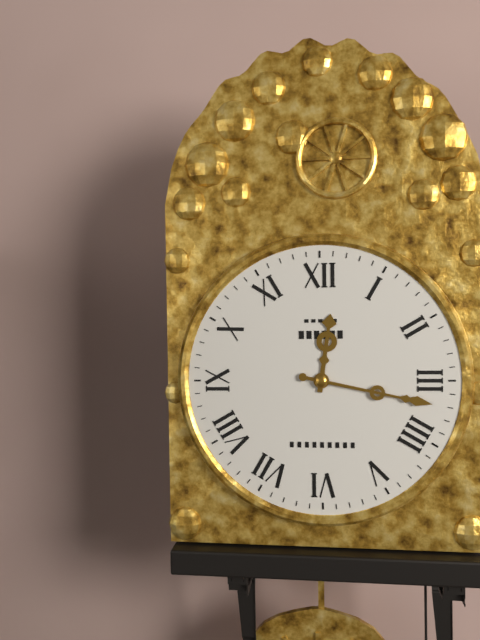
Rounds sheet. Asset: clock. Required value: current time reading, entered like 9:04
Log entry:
12:17
